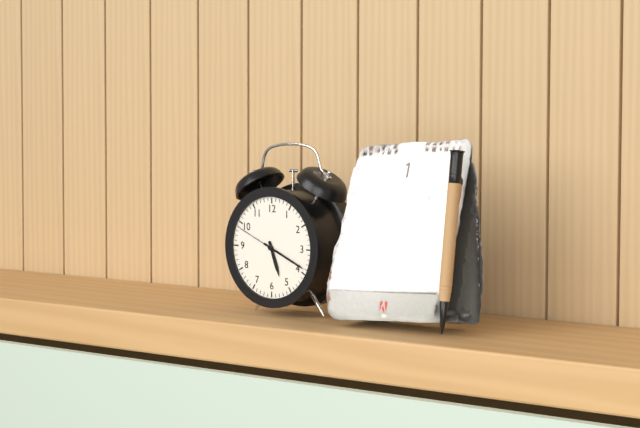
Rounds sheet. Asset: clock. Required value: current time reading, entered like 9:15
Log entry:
5:19
